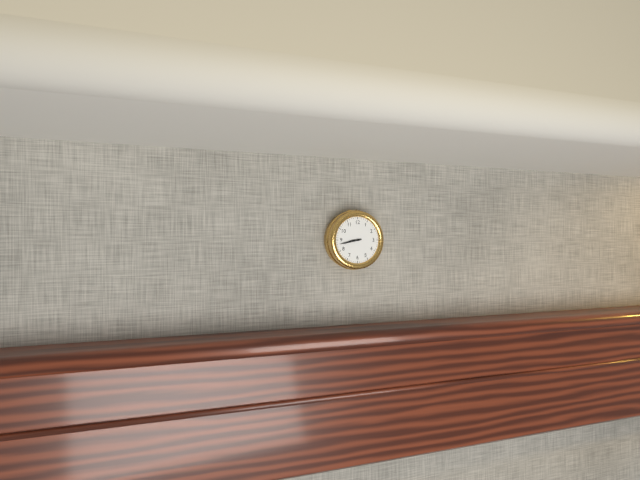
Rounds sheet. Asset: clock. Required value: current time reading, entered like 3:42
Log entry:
8:43
